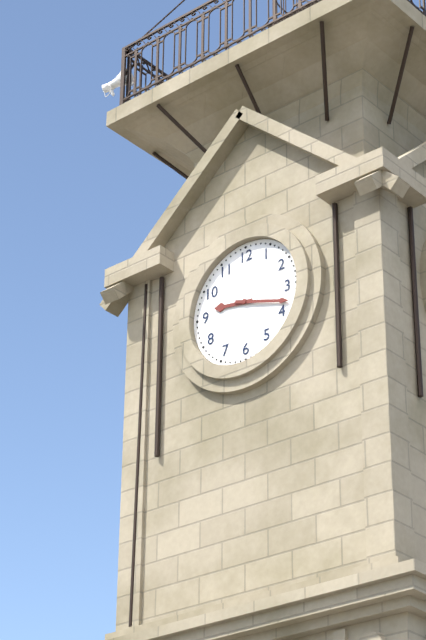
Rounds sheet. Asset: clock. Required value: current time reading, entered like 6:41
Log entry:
9:18
